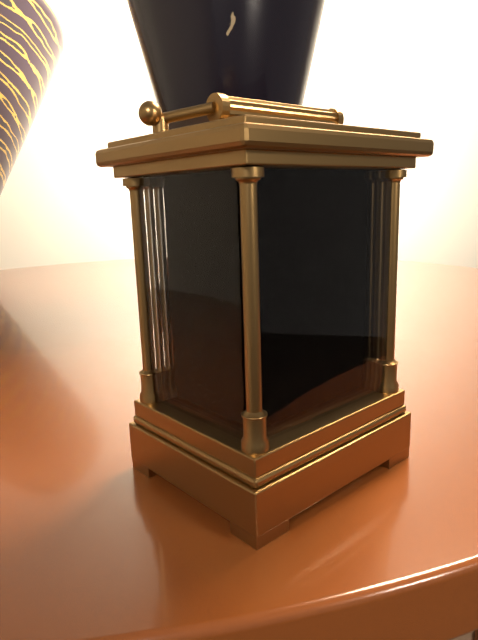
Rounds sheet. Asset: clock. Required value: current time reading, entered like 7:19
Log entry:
3:23
